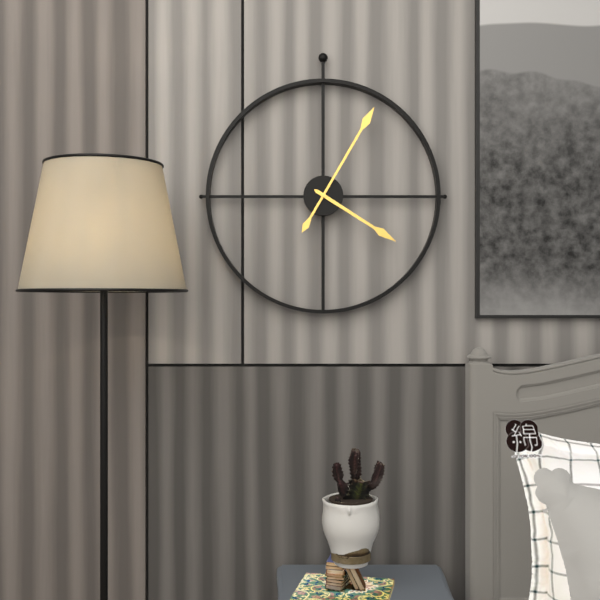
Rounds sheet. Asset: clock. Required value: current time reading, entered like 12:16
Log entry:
4:05
